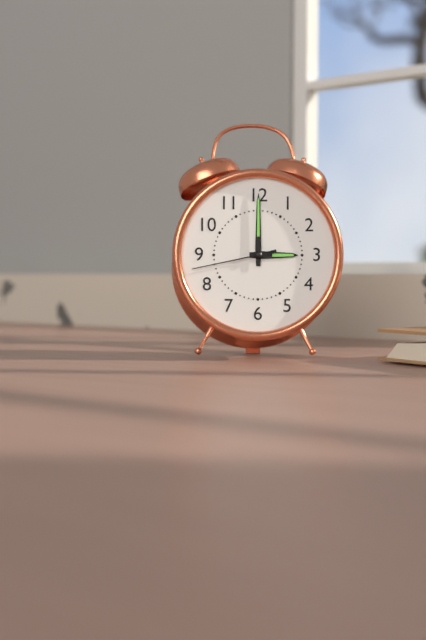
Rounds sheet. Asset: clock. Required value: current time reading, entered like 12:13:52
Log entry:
3:00:43
